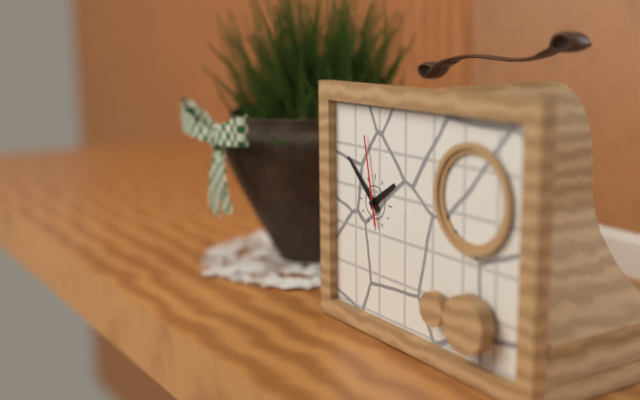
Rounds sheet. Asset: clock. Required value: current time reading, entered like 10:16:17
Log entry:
1:52:58
